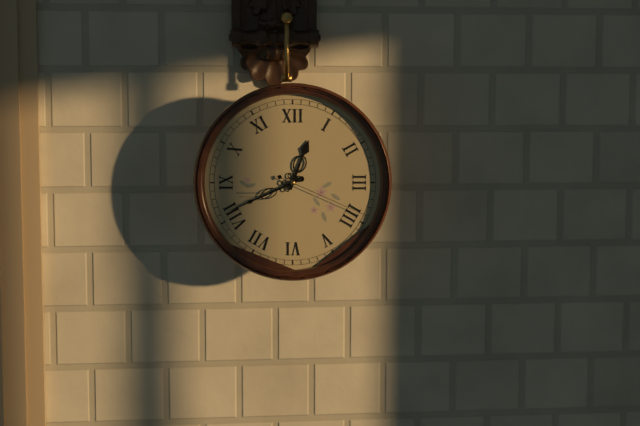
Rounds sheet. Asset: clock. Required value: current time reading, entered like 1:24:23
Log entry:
12:41:19
